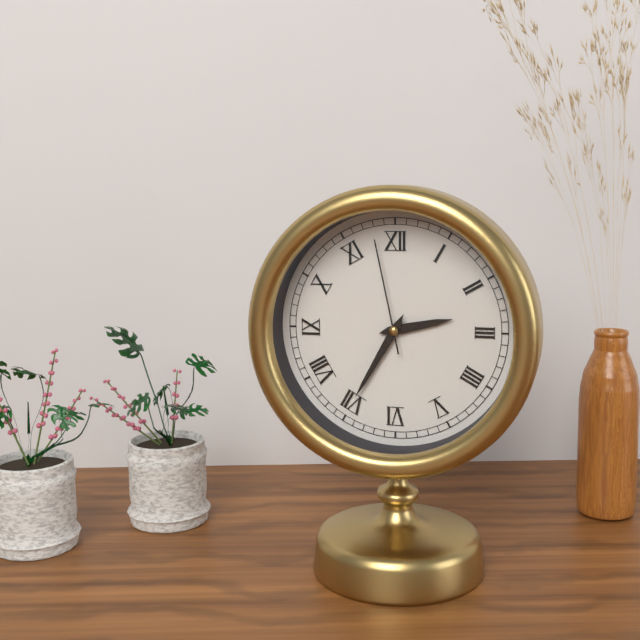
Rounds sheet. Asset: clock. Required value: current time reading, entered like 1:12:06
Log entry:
2:35:58
